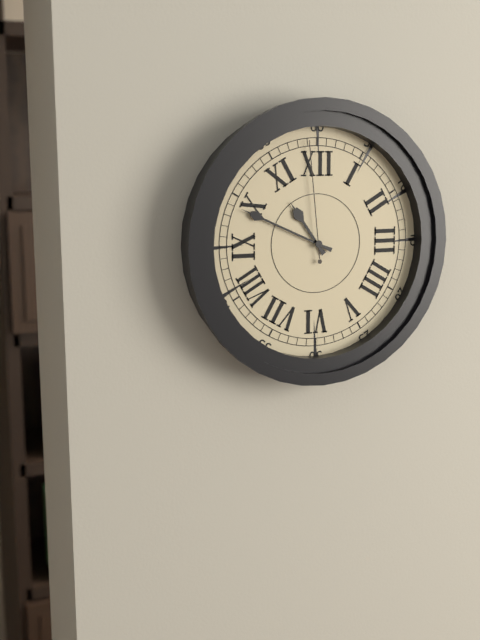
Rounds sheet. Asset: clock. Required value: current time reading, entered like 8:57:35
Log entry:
10:49:59
